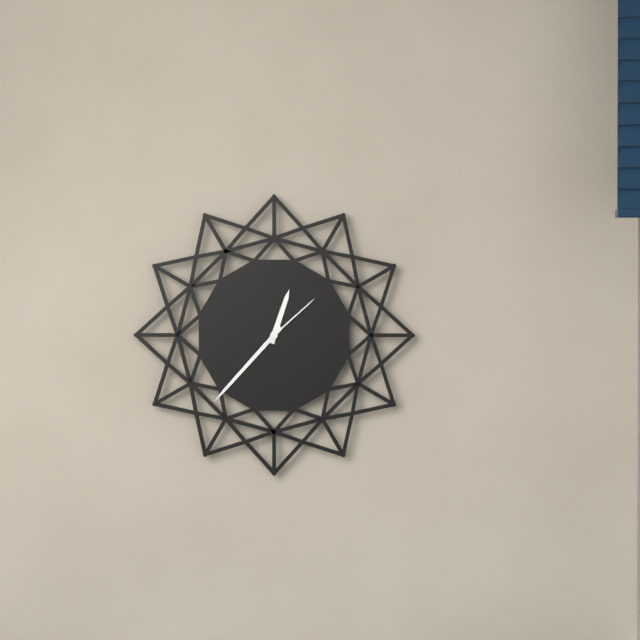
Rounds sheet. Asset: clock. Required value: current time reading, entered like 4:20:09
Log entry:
12:37:08
